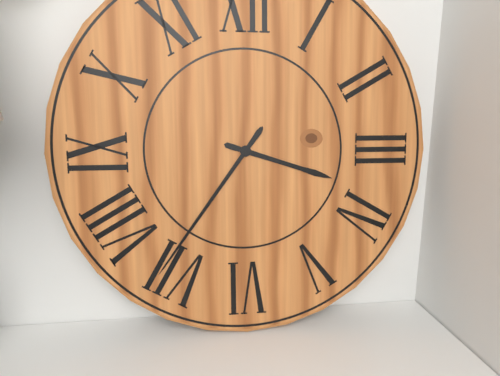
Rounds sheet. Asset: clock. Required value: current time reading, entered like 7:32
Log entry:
3:36
